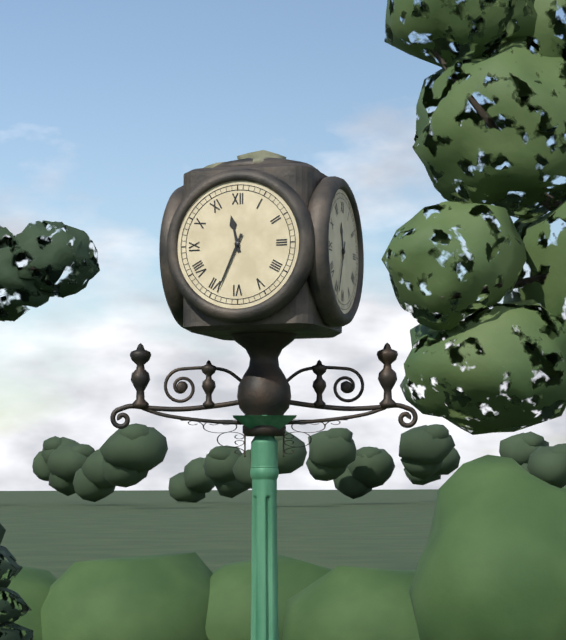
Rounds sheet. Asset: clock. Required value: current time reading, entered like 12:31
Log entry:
11:34
